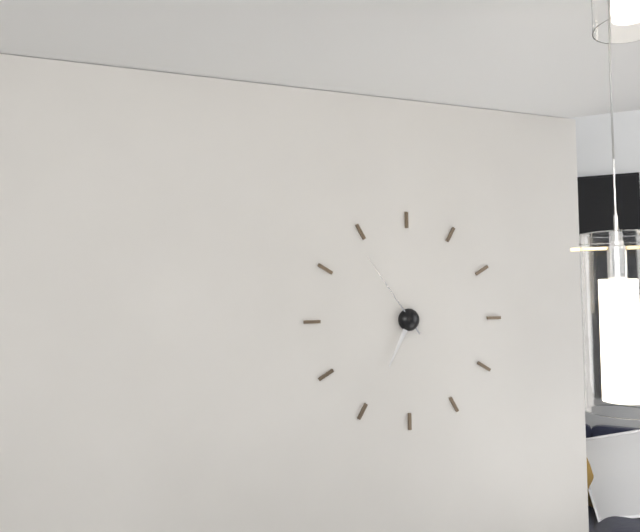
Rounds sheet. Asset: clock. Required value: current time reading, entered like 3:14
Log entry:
6:54
